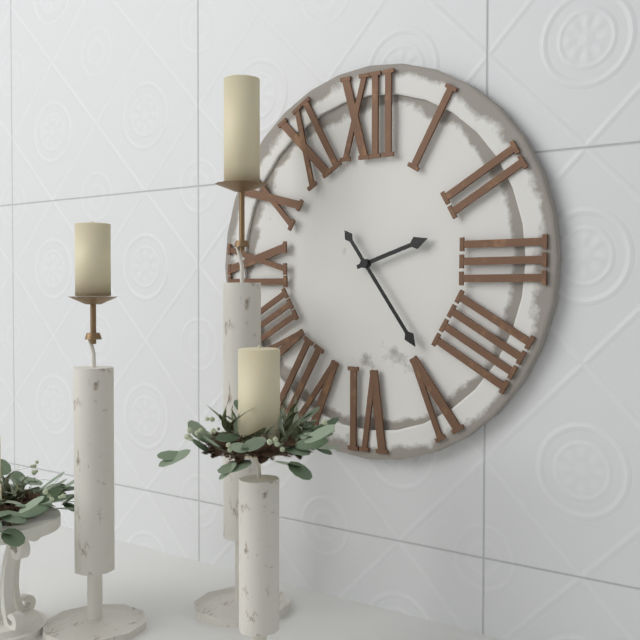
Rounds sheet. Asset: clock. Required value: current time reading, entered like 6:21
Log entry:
2:24
